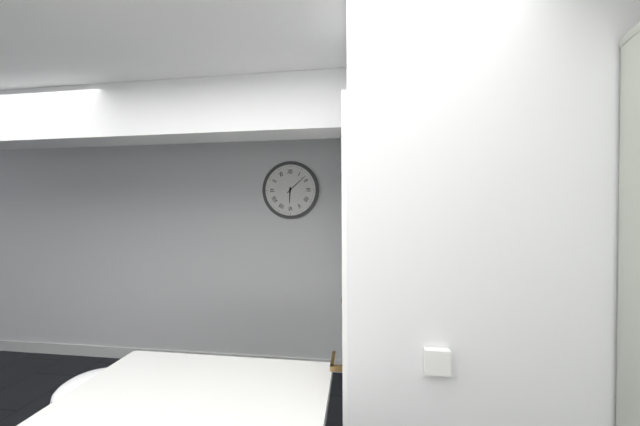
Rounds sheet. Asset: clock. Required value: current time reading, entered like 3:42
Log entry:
6:08
